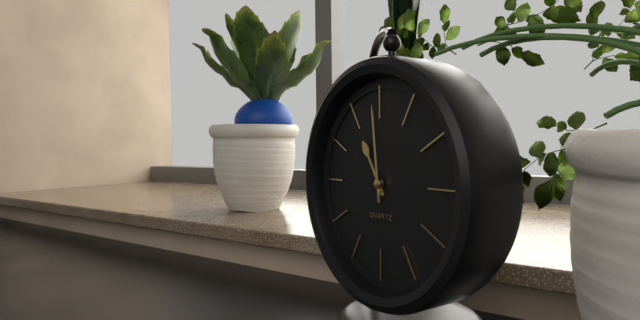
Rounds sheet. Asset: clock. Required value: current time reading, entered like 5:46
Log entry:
10:59
